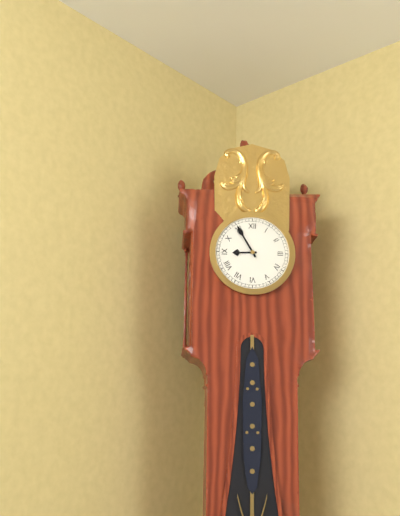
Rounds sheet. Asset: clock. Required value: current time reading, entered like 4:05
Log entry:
8:55
